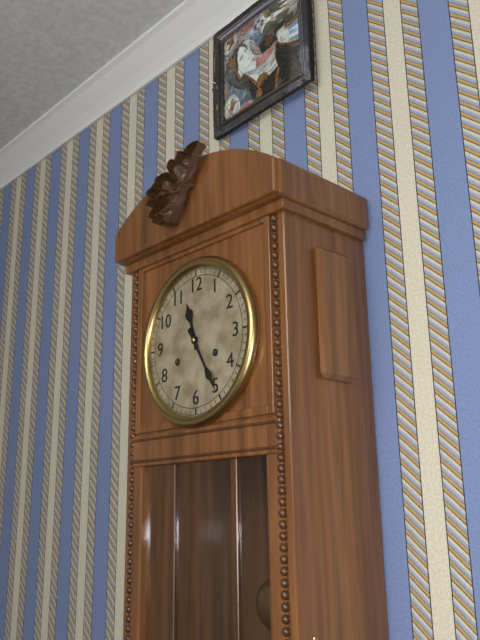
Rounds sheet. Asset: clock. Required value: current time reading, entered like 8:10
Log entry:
11:25
